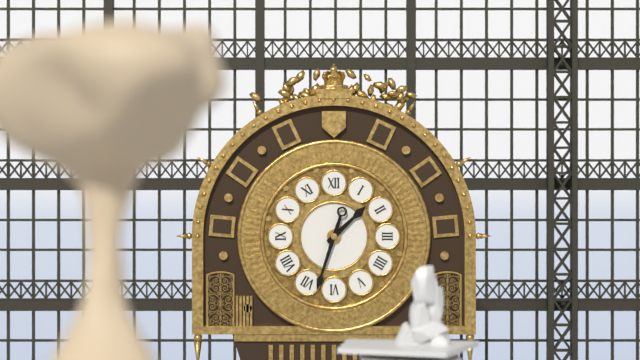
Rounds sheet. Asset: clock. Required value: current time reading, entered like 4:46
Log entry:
1:33
